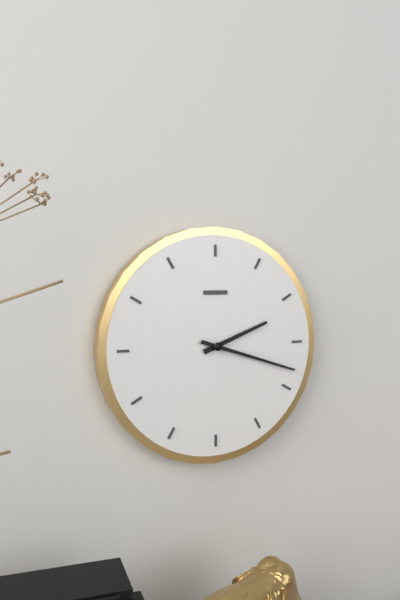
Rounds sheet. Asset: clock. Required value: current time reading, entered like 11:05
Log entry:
2:18
